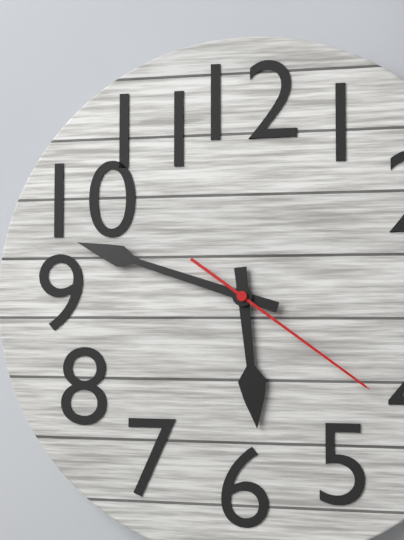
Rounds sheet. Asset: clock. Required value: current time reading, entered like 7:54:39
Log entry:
5:48:21
